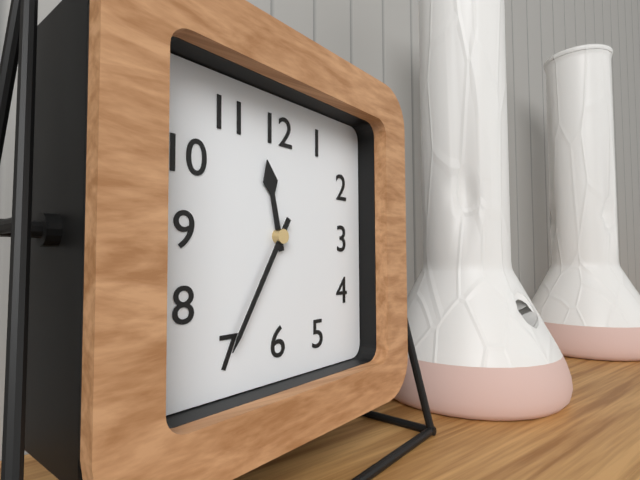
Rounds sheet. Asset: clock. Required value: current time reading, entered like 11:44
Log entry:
11:35
